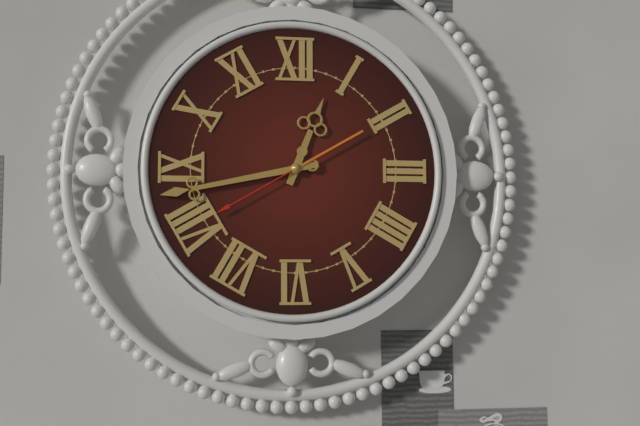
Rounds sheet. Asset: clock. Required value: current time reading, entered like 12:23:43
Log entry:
12:43:40
